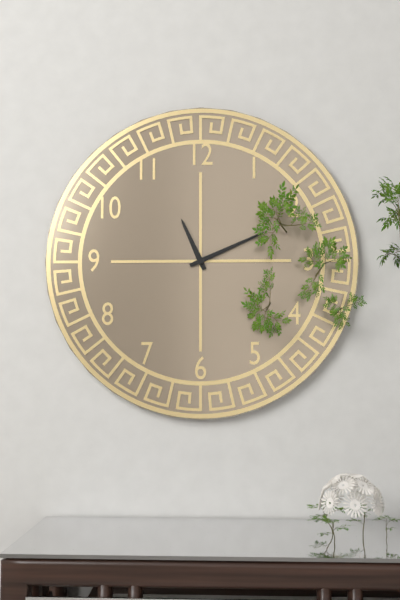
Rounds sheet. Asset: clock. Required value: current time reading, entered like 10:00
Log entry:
11:11
